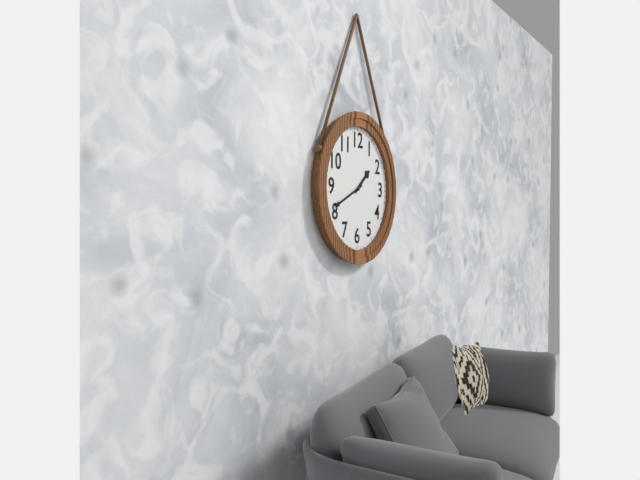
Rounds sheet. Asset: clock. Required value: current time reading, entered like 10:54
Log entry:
1:41
